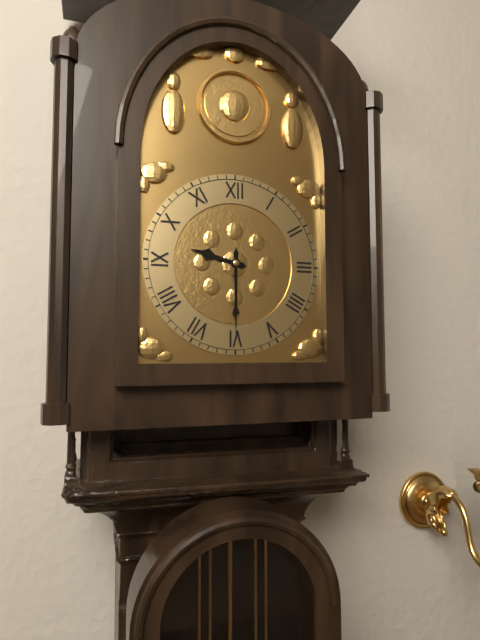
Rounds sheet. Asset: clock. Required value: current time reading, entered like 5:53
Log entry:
9:30
